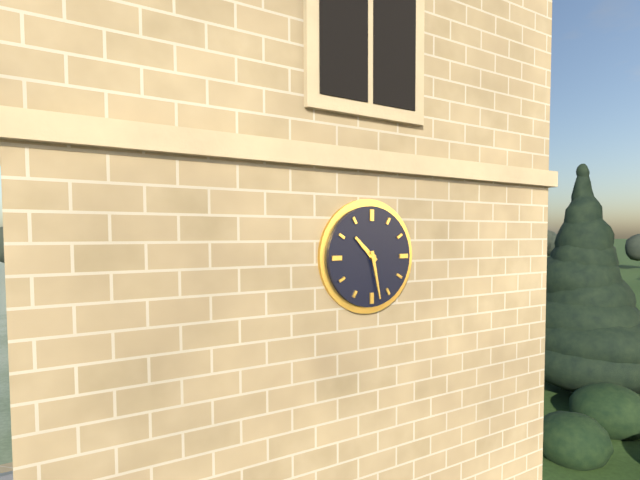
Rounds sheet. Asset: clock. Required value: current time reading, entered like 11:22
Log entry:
10:28
